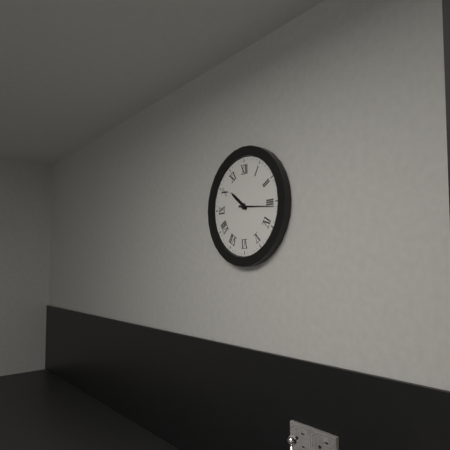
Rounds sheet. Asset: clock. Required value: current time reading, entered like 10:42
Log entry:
10:16
